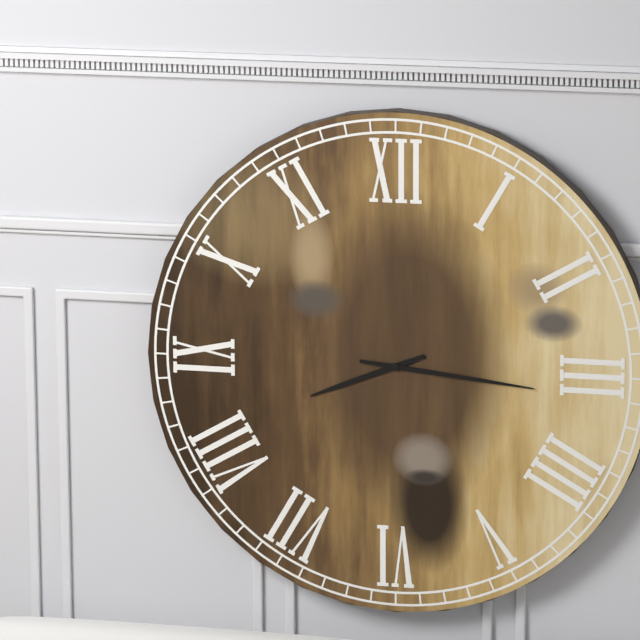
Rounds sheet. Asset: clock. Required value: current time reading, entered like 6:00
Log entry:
8:16
